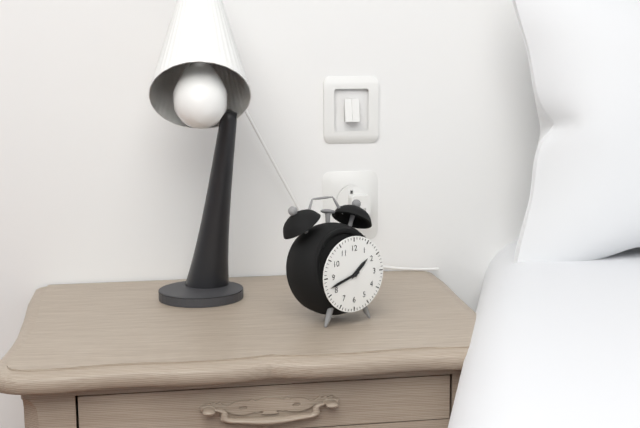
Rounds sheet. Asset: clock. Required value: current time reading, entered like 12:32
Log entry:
1:42
